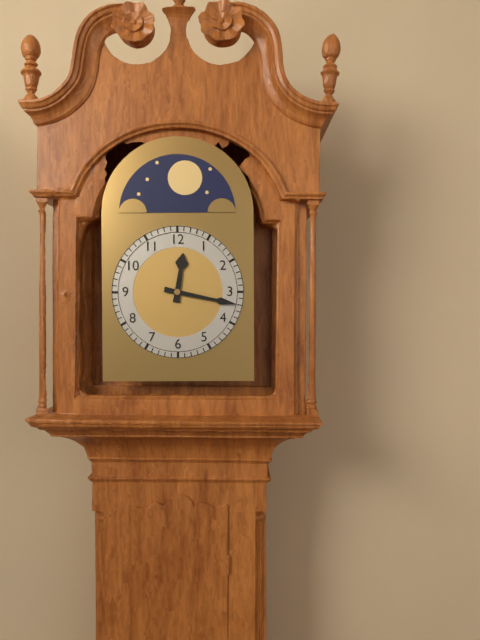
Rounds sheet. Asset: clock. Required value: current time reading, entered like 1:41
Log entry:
12:17
